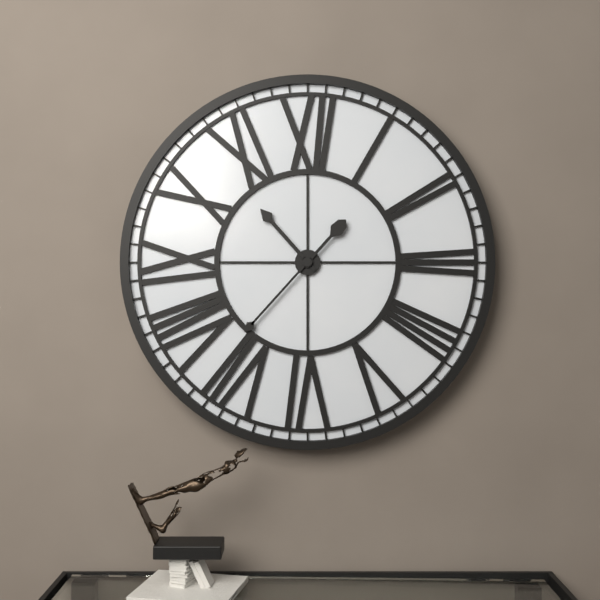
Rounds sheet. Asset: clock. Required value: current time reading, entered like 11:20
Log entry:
10:37
